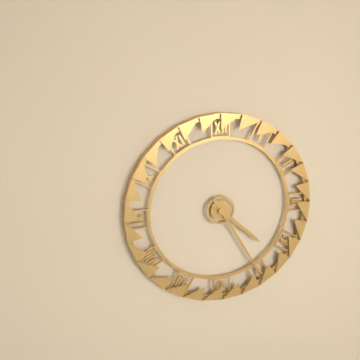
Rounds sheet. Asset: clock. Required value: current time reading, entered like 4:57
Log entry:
4:25
